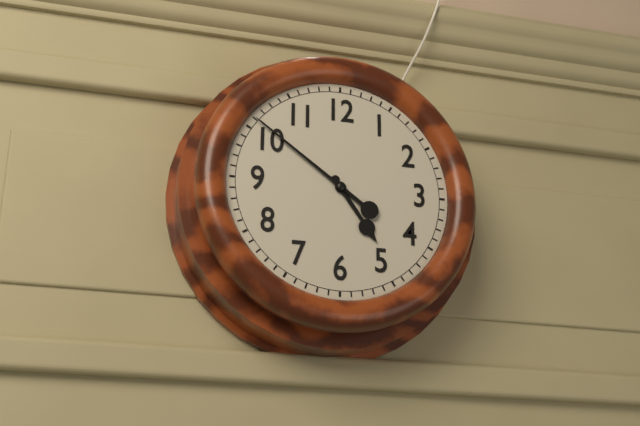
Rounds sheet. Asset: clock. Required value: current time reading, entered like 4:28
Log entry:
4:51
